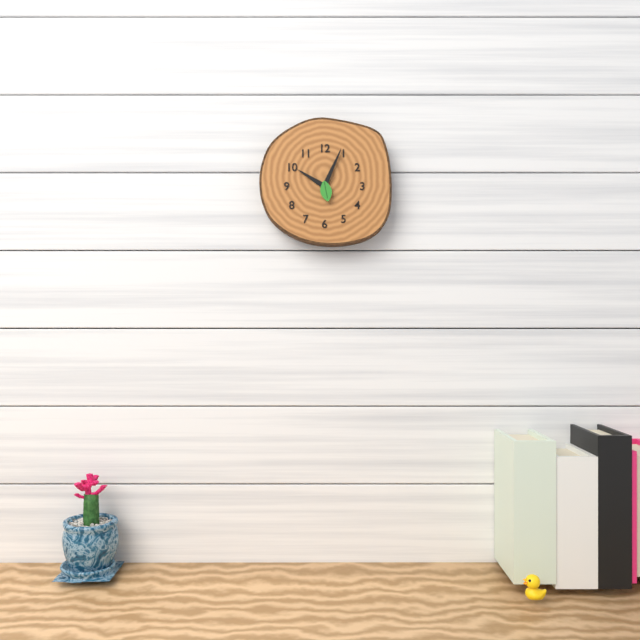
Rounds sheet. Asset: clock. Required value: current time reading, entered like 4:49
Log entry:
10:04
